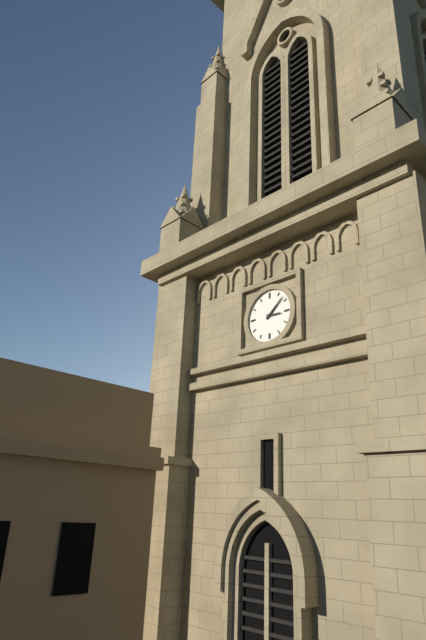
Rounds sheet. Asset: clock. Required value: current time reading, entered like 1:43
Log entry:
3:08
